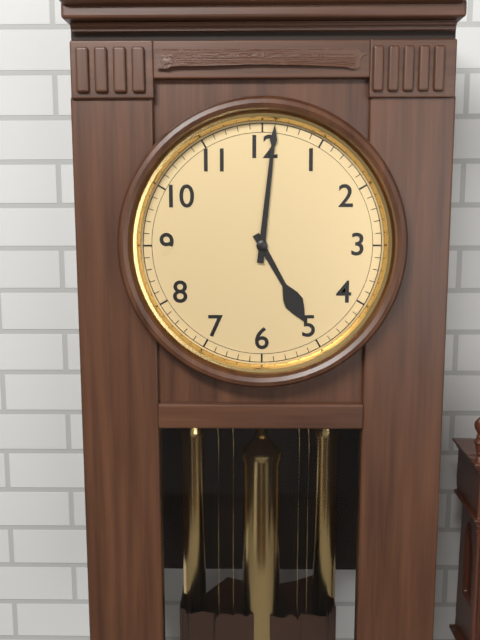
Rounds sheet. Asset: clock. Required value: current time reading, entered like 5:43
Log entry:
5:01
